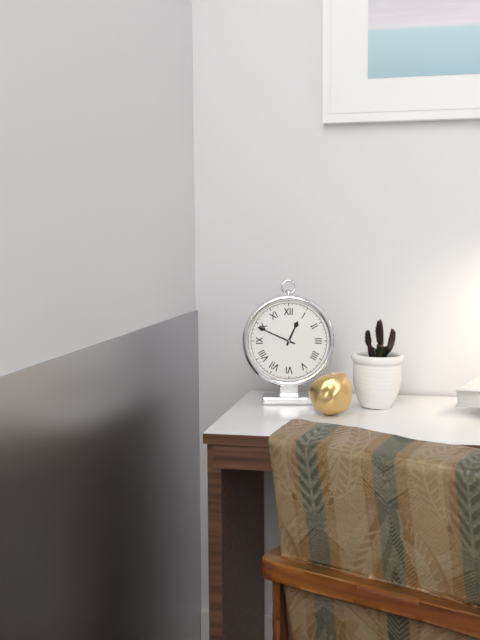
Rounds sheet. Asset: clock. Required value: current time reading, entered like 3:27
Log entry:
12:49
